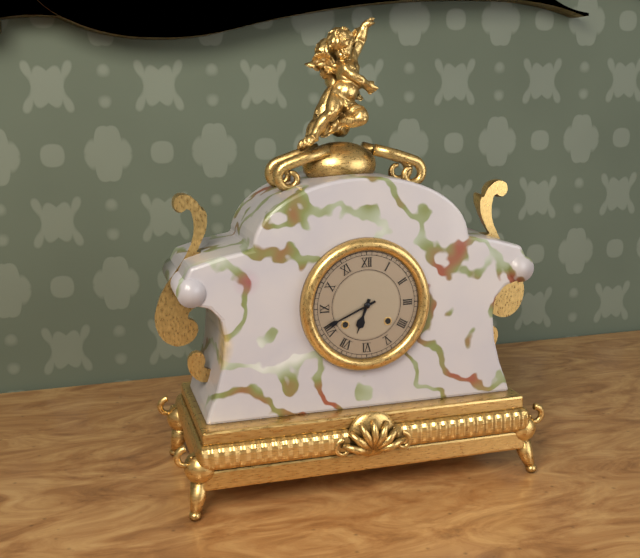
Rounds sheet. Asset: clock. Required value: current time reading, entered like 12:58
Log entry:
6:41
